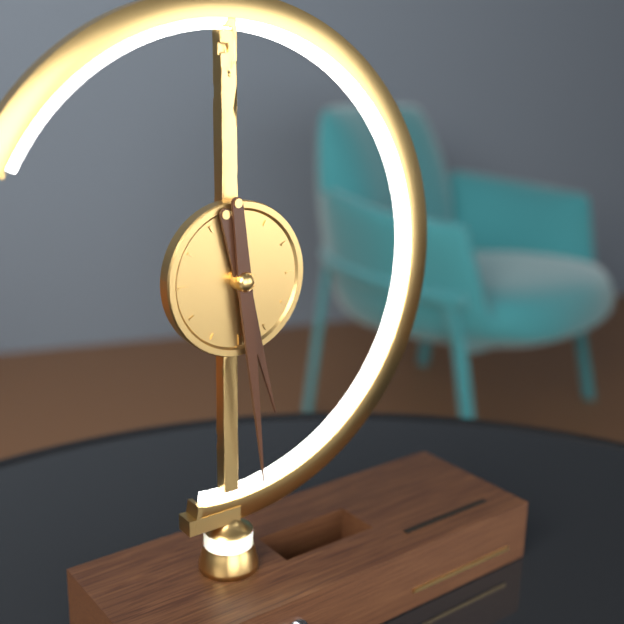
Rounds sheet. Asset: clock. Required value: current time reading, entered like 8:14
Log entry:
5:29
